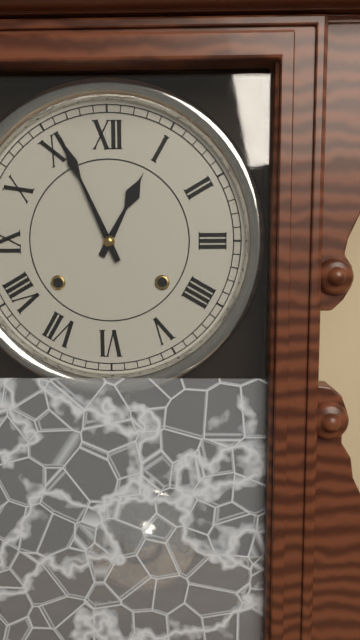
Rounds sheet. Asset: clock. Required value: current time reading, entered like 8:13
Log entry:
12:56
